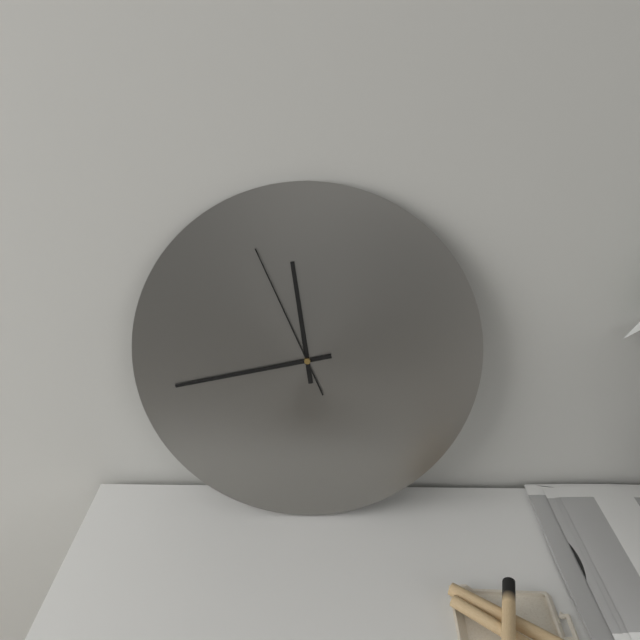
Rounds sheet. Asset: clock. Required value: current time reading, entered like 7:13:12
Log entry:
11:43:56
